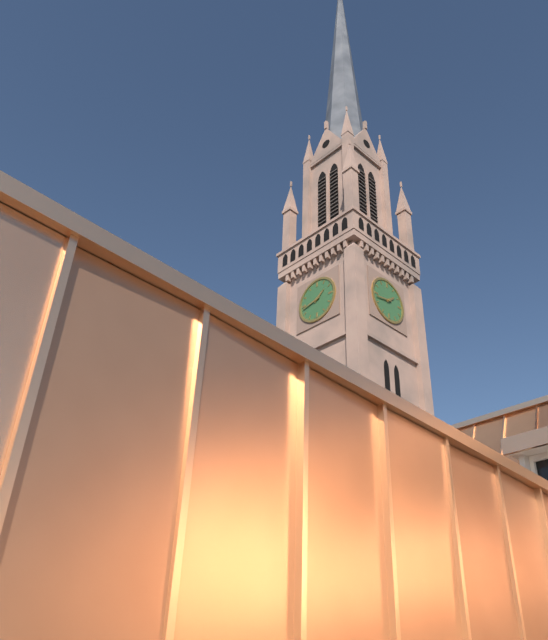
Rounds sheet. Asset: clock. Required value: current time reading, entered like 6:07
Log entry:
1:43
